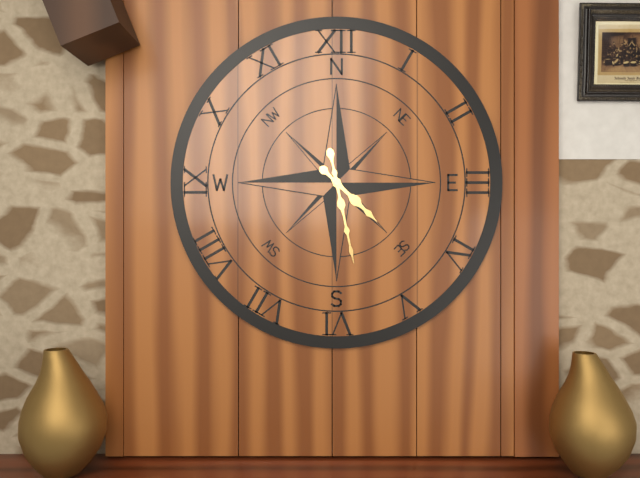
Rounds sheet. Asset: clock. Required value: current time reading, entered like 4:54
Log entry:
4:28
